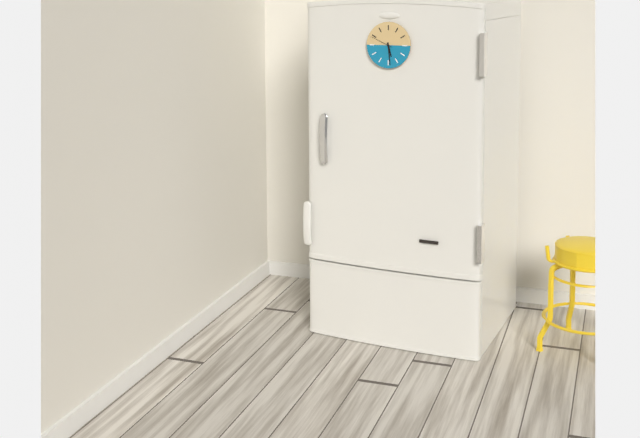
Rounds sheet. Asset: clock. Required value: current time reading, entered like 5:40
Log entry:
5:29
